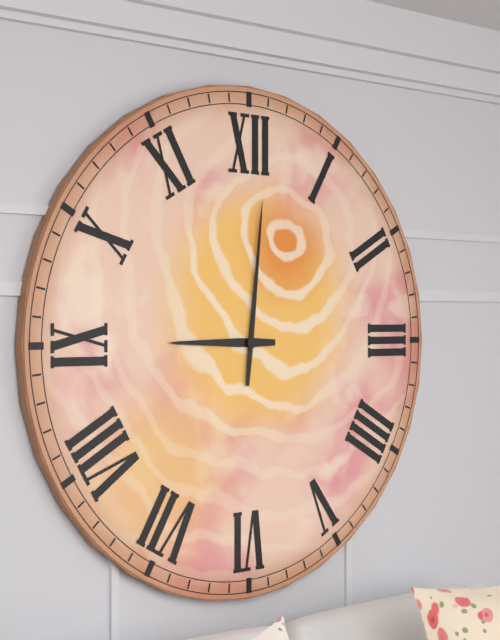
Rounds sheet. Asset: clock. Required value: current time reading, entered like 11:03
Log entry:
9:01
